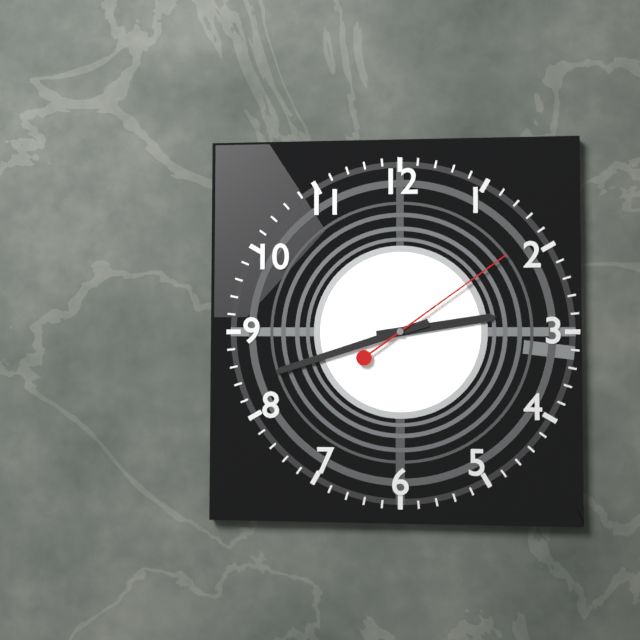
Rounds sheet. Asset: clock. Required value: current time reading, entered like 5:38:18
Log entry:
2:42:09
